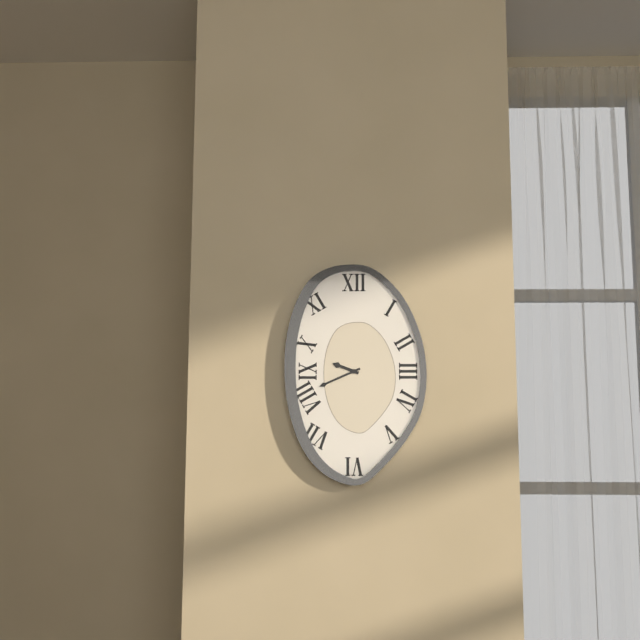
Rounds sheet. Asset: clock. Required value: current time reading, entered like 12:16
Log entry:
9:41
